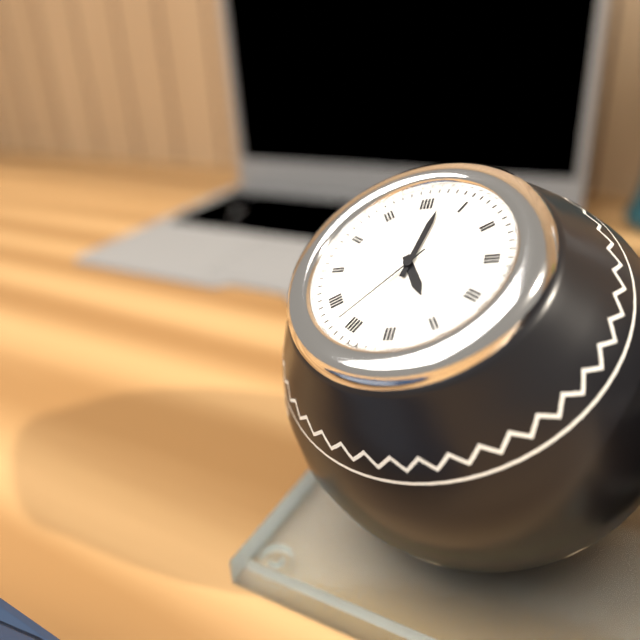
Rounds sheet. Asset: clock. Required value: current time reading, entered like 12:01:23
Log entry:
5:02:37
